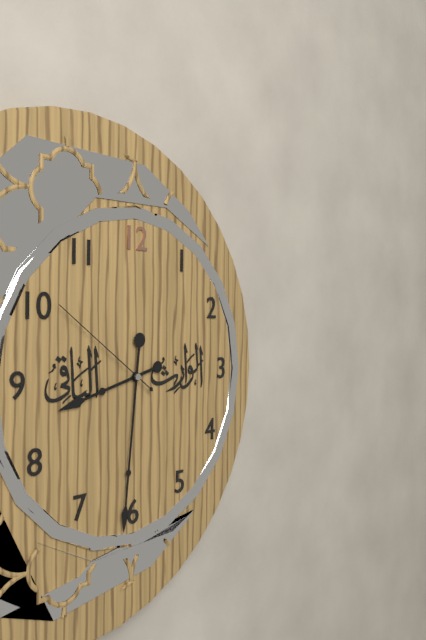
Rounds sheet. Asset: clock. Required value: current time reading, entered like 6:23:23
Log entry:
8:31:51
